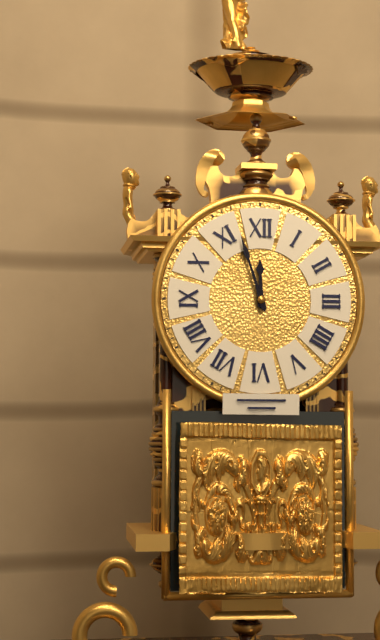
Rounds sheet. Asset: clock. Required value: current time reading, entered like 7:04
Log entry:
11:57
